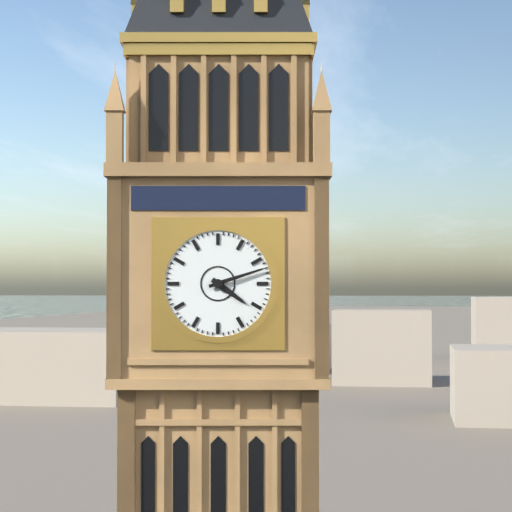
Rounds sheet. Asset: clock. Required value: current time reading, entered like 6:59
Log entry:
4:12
